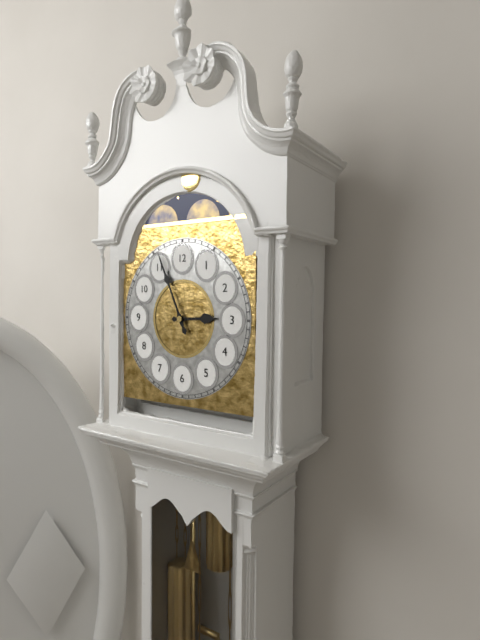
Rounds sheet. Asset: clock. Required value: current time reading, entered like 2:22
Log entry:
2:56
